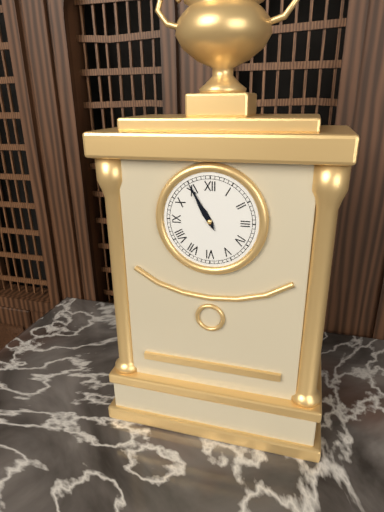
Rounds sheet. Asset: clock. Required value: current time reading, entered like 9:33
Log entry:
10:55
